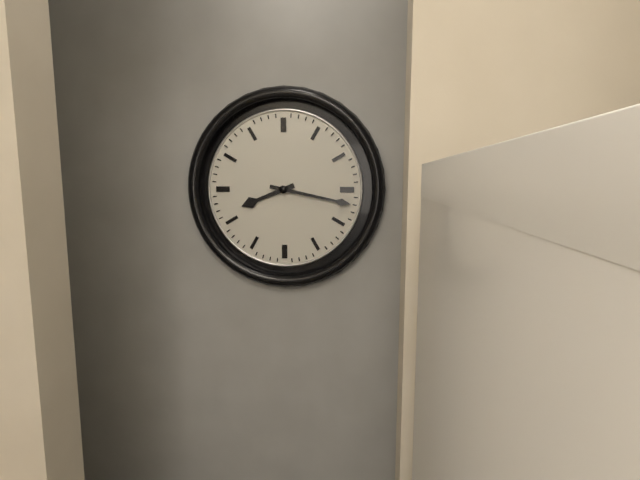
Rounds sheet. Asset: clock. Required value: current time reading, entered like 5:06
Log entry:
8:17
